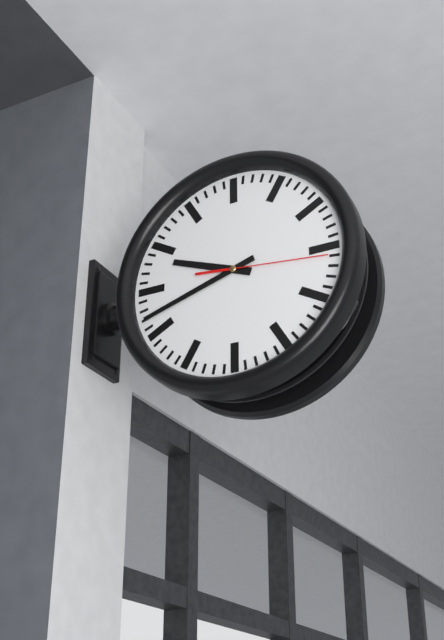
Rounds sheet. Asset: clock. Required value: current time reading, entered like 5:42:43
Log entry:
9:42:16
